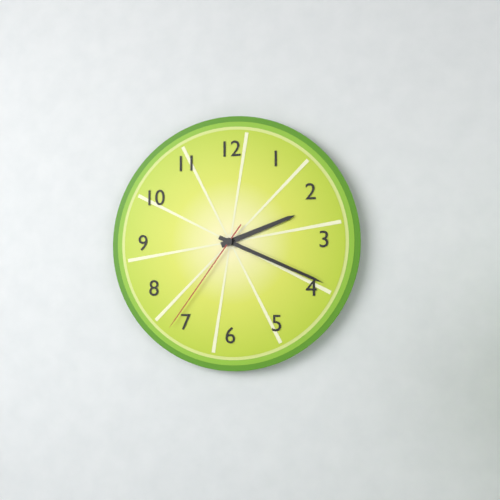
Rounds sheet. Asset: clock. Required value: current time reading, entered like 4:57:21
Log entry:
2:19:36
